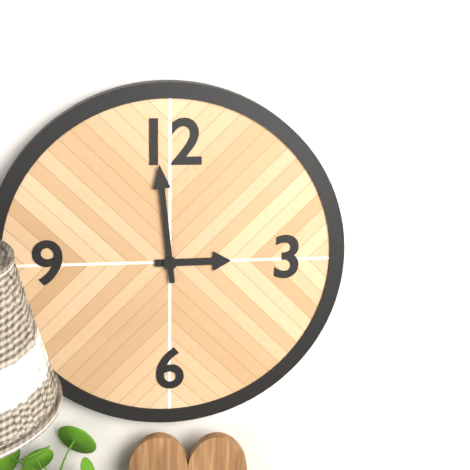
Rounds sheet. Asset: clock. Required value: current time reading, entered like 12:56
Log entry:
2:59
